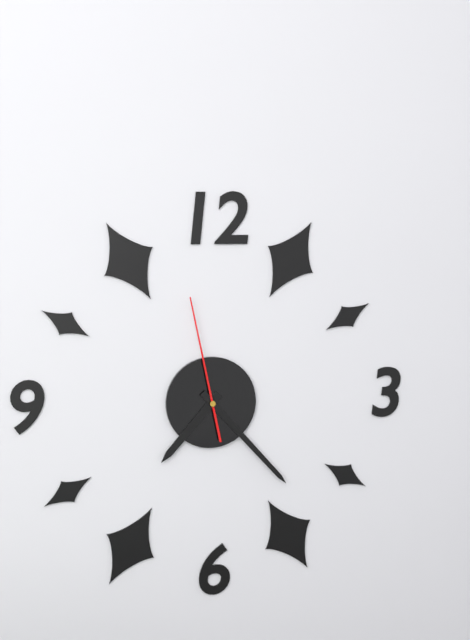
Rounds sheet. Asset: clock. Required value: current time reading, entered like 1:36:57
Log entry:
7:23:58
